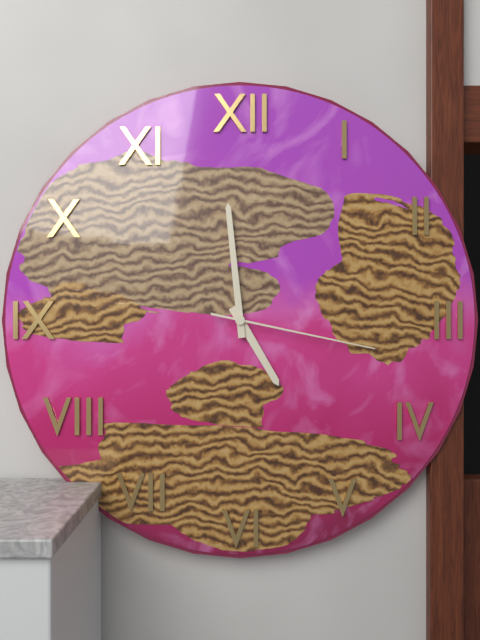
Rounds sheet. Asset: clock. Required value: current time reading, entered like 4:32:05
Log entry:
4:59:17
